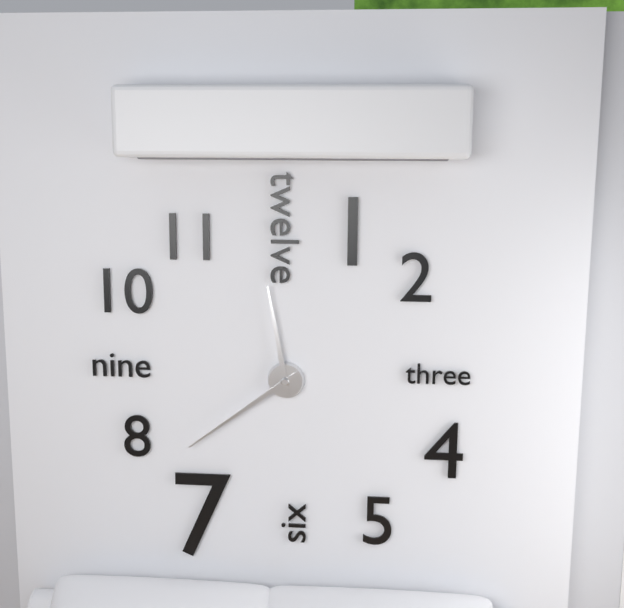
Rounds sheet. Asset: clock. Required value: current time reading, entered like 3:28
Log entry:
11:39
